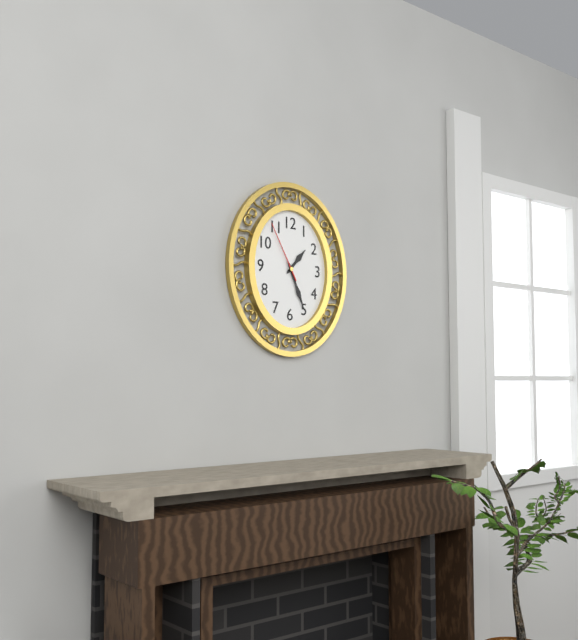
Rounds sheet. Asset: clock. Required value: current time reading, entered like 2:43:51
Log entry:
1:26:55
